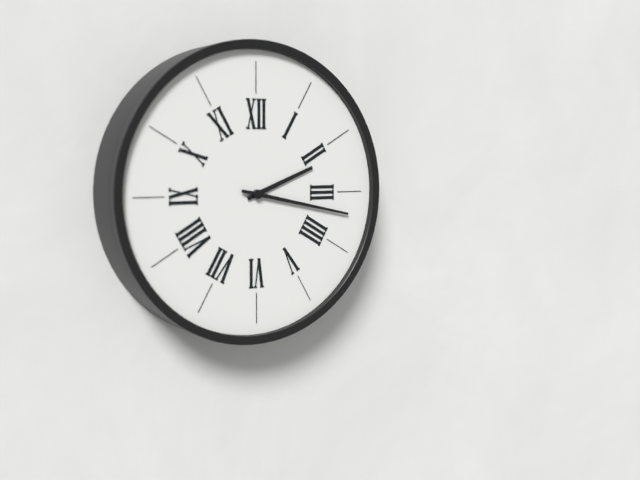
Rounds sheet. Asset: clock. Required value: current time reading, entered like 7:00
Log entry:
2:17
